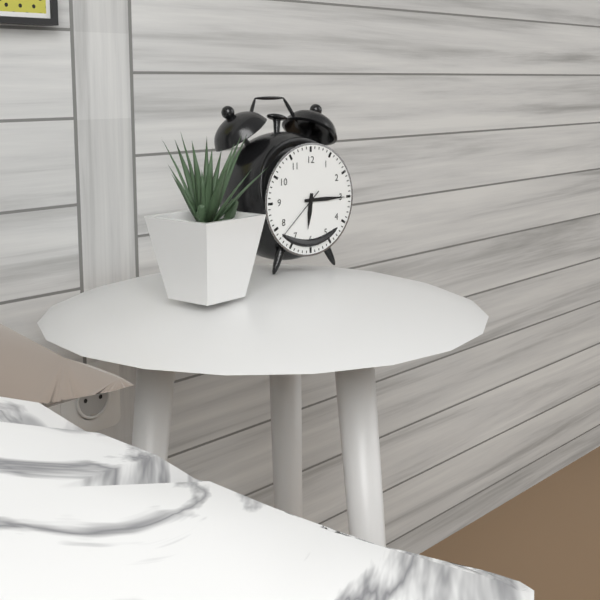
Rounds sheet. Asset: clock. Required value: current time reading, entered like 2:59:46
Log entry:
6:15:38
